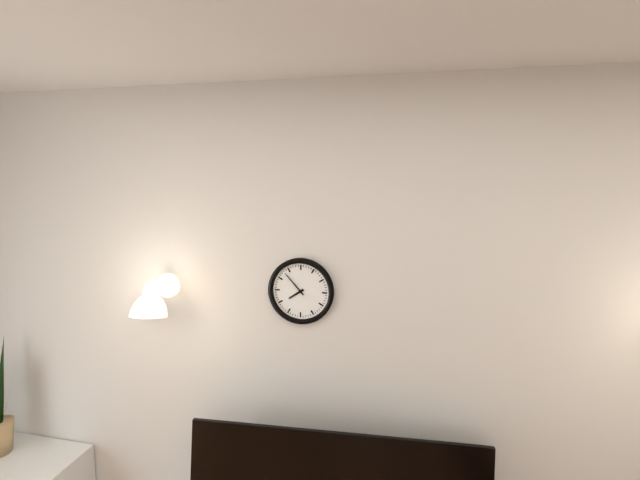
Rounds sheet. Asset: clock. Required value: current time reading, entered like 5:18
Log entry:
7:53
